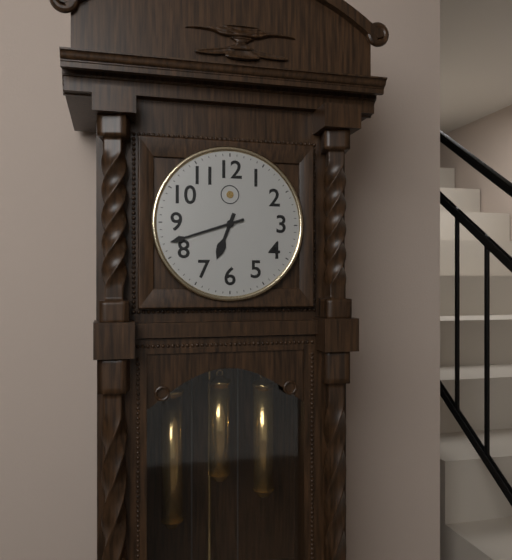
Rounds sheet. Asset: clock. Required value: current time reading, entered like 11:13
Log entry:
6:42
